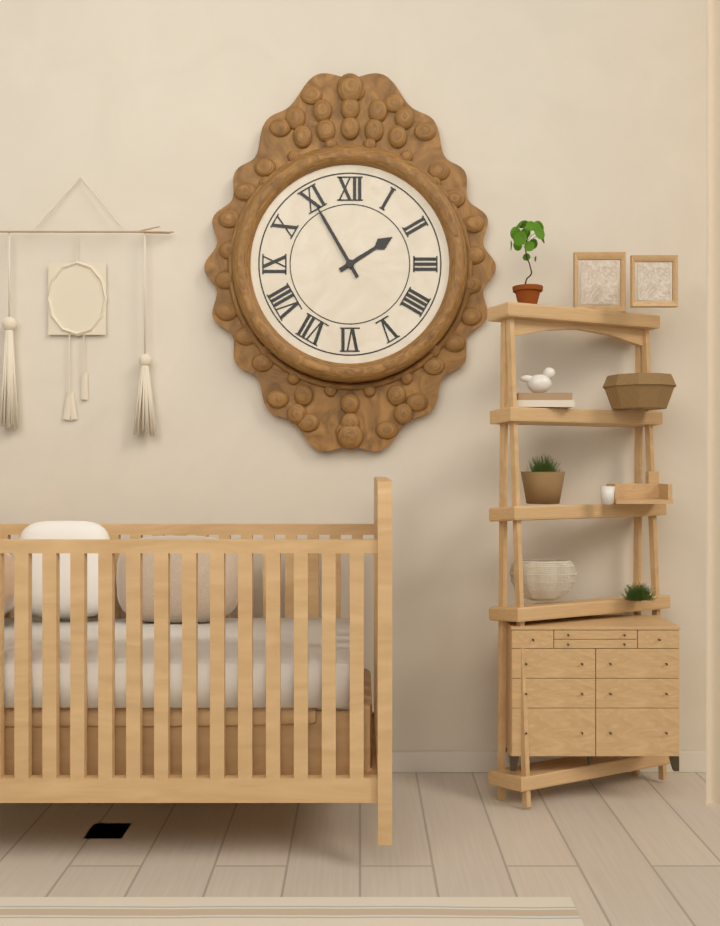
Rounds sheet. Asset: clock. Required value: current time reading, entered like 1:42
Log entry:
1:55
